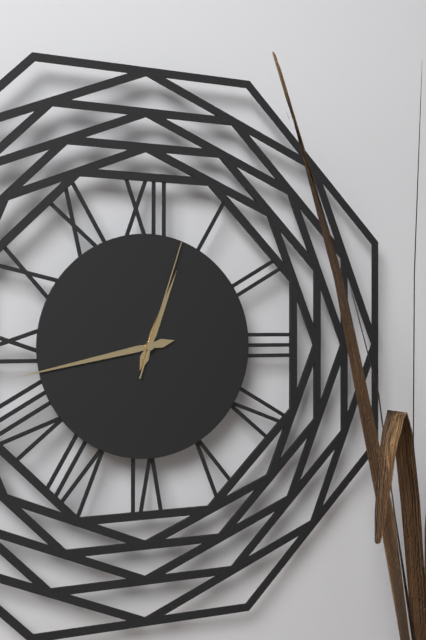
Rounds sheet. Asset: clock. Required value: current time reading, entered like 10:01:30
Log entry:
12:43:03
